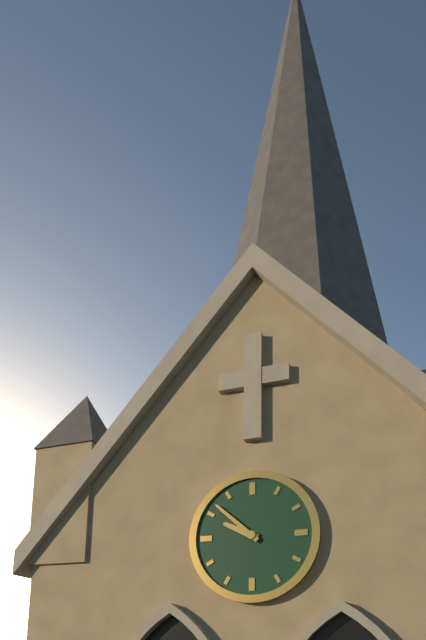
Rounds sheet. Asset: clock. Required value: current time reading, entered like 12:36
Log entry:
9:52
